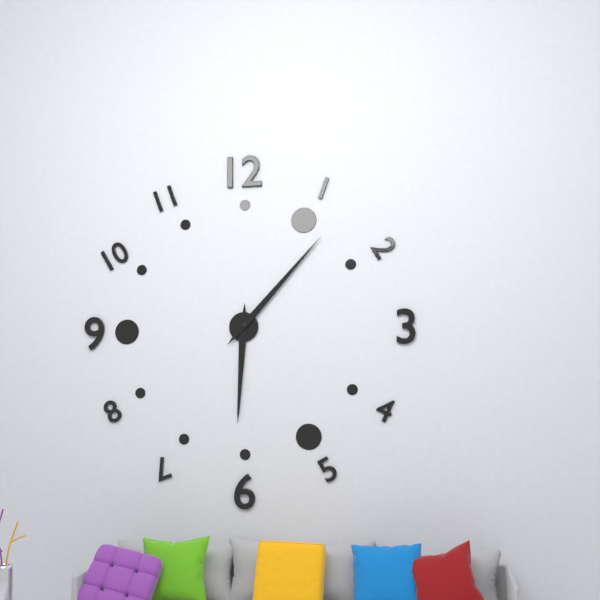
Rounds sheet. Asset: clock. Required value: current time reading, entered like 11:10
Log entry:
6:07
